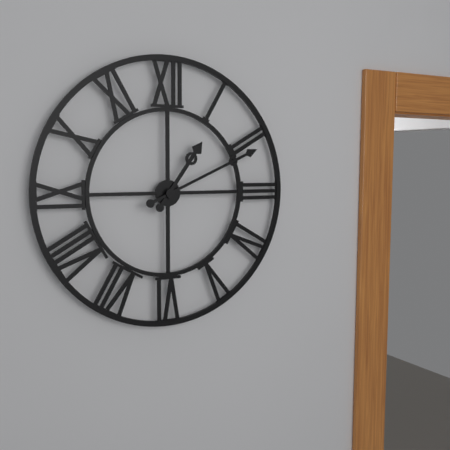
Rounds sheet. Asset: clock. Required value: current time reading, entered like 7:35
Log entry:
1:11
